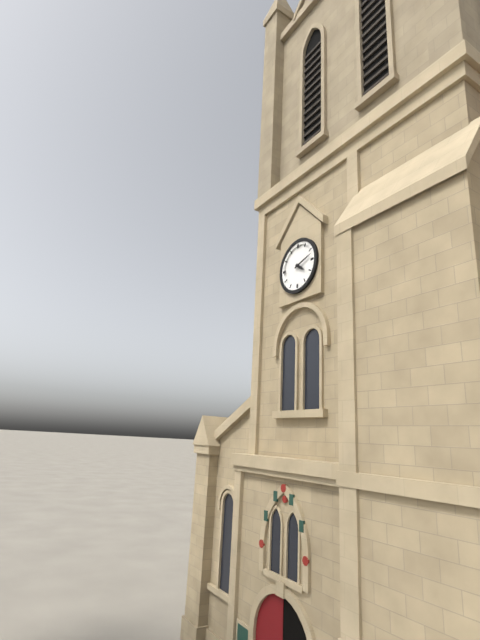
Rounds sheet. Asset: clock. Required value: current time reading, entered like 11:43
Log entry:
4:12
